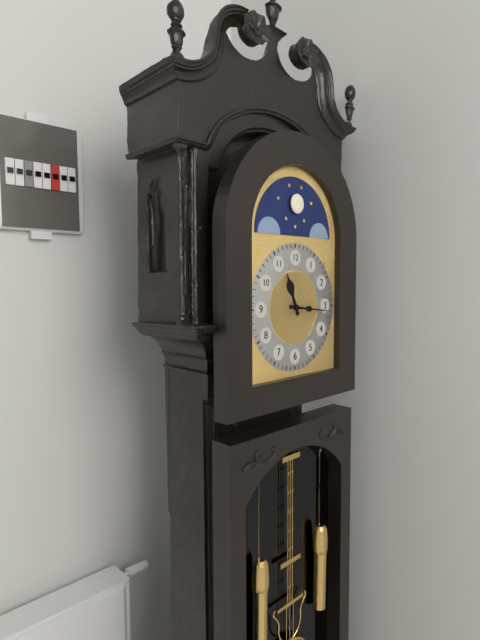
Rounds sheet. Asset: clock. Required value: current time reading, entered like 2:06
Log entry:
11:16
